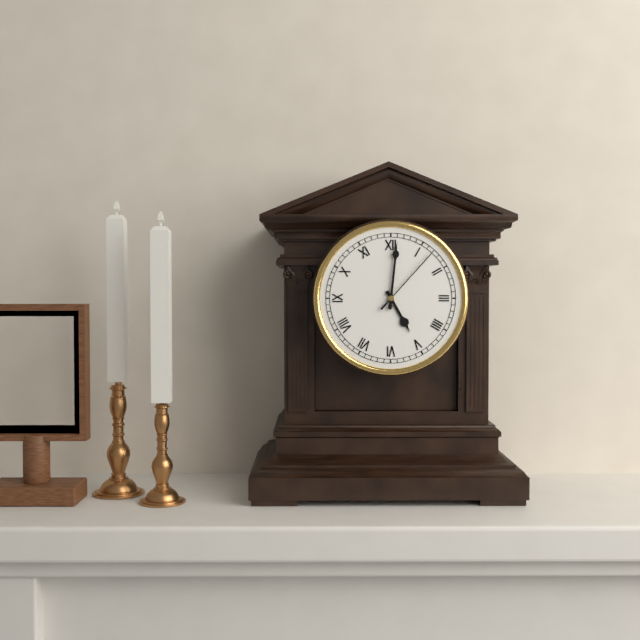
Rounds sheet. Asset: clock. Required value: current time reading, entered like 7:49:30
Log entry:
5:01:07
